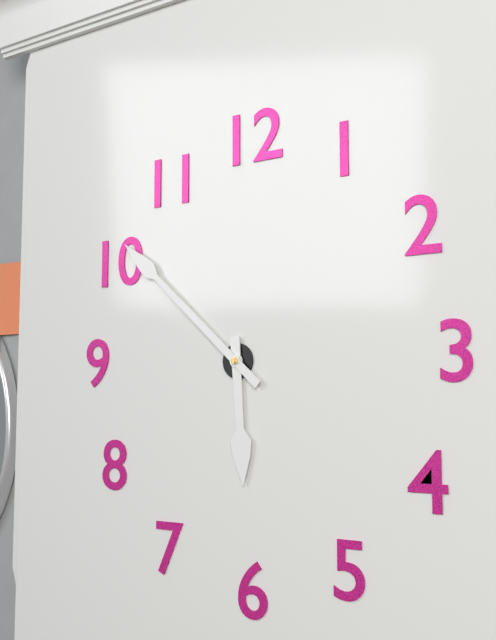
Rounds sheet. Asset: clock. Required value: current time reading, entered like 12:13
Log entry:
5:52
